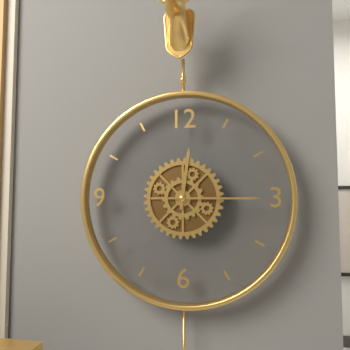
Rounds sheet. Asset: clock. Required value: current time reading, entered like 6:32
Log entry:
12:15
